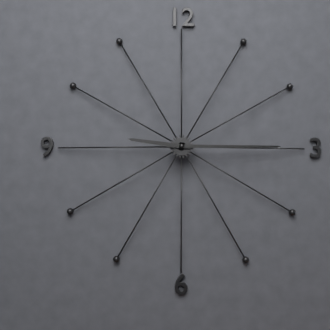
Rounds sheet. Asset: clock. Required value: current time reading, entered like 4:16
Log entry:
9:15
